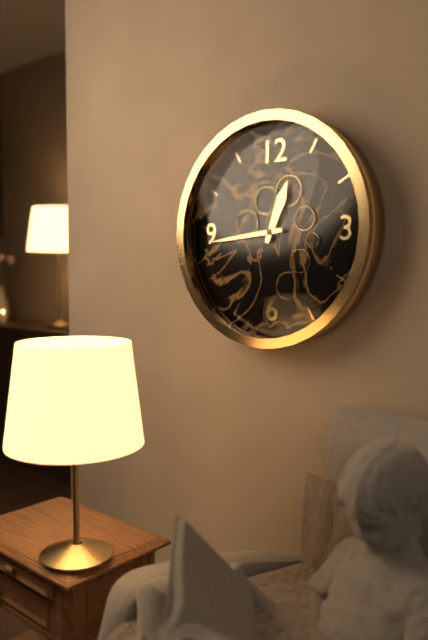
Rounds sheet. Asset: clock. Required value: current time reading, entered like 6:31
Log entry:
12:44
